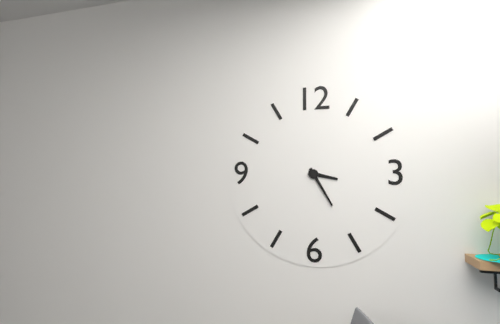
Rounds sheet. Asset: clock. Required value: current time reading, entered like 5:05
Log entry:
3:25
